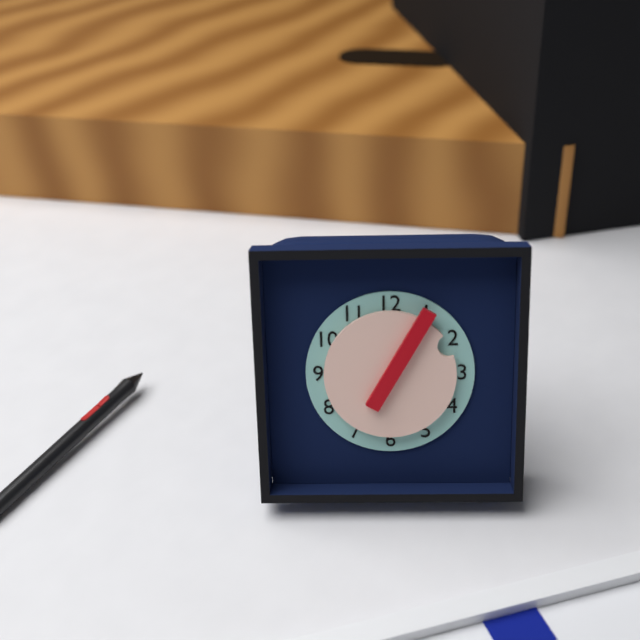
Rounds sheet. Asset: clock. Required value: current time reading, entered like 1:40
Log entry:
2:05
